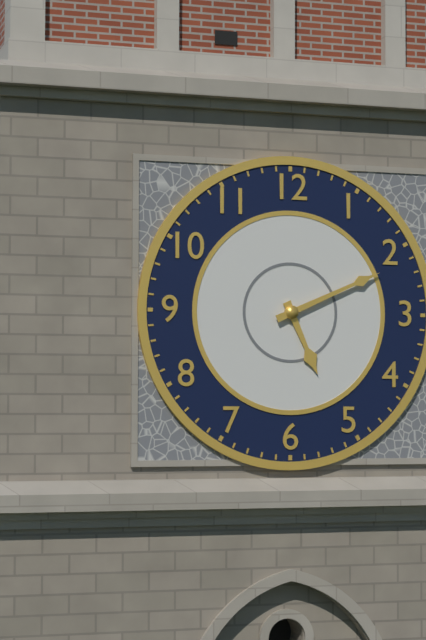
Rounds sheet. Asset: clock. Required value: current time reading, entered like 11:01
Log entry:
5:11
